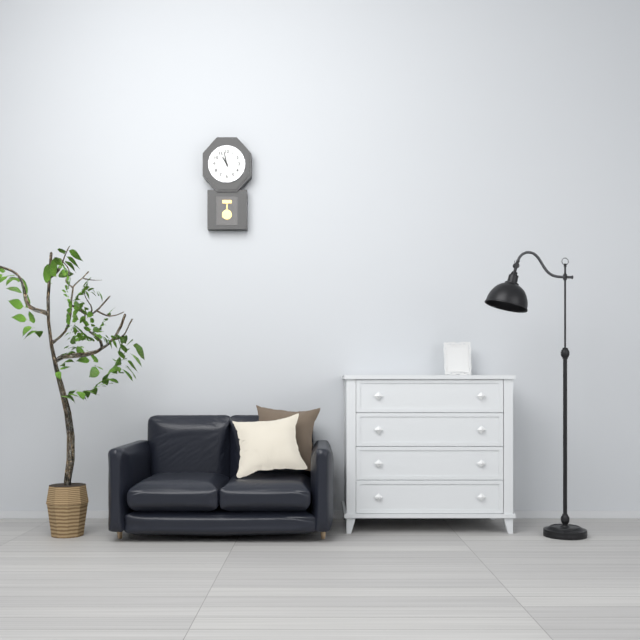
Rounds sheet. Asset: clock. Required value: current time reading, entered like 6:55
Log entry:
10:58
